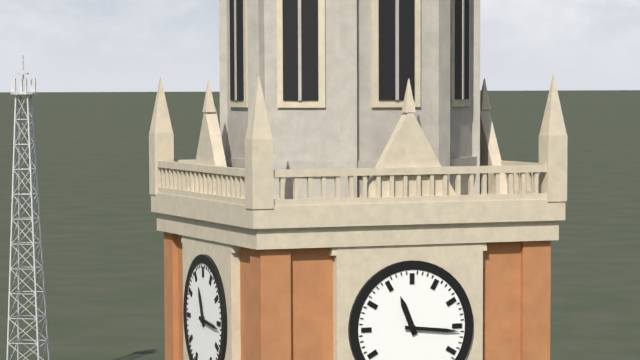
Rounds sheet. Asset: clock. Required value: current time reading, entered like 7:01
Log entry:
11:16
